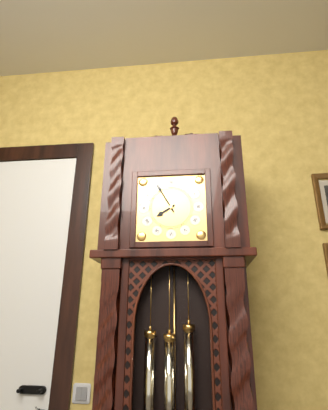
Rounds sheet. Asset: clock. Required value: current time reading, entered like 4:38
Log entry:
7:55
